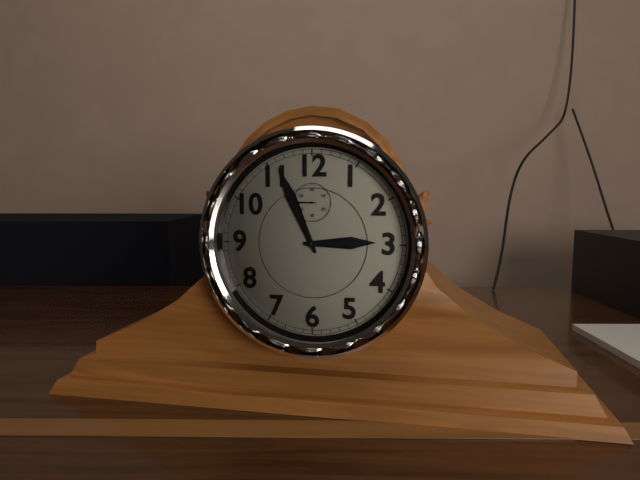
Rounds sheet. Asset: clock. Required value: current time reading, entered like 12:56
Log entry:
2:56
